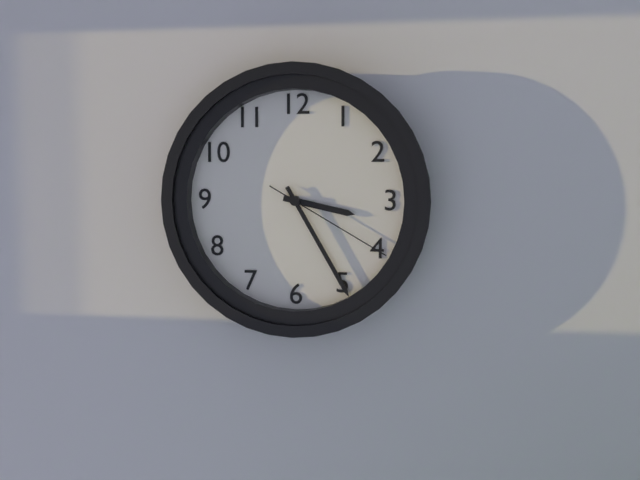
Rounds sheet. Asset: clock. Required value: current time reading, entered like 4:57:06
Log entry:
3:25:20
